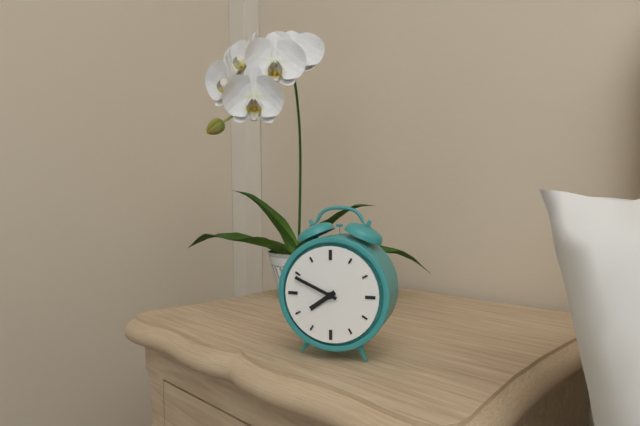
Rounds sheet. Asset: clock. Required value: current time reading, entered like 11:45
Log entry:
7:49
